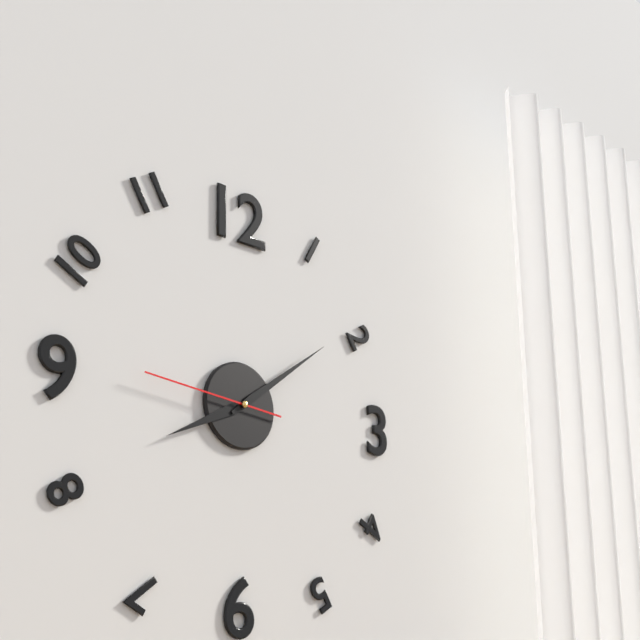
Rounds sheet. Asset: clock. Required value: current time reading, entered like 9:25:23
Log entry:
8:09:46
